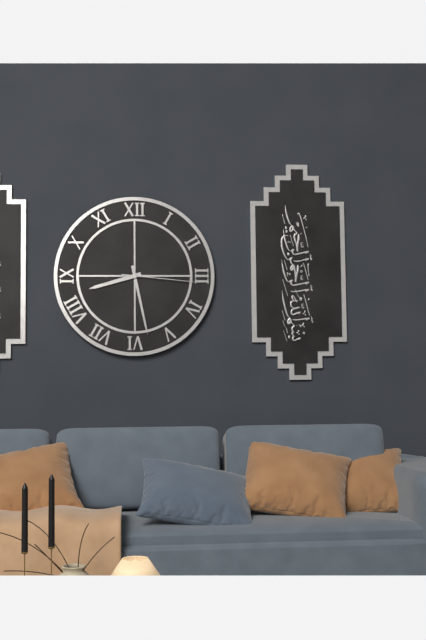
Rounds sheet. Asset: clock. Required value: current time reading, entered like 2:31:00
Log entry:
8:28:16
